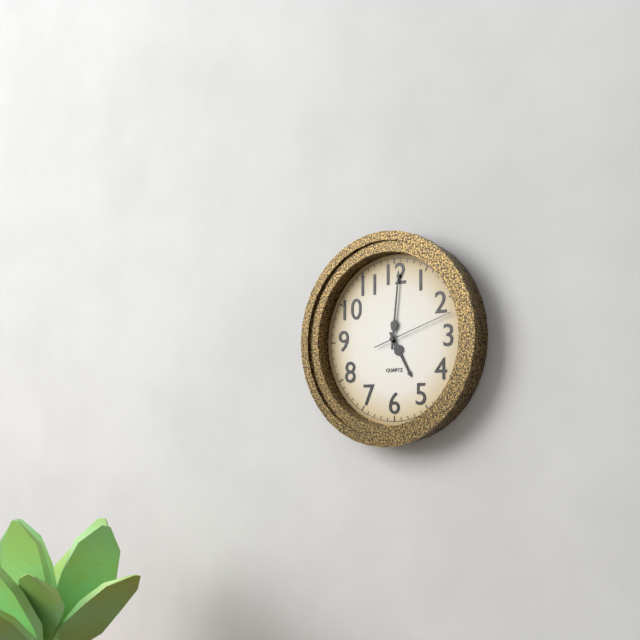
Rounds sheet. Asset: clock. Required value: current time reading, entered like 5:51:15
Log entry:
5:01:12
